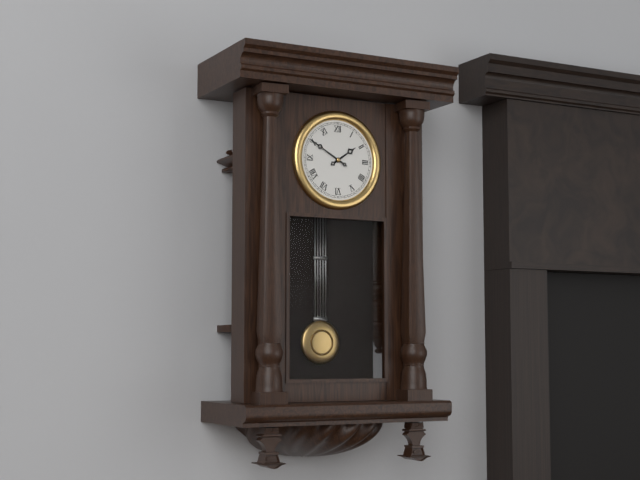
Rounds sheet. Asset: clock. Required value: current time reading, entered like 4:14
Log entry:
1:50
